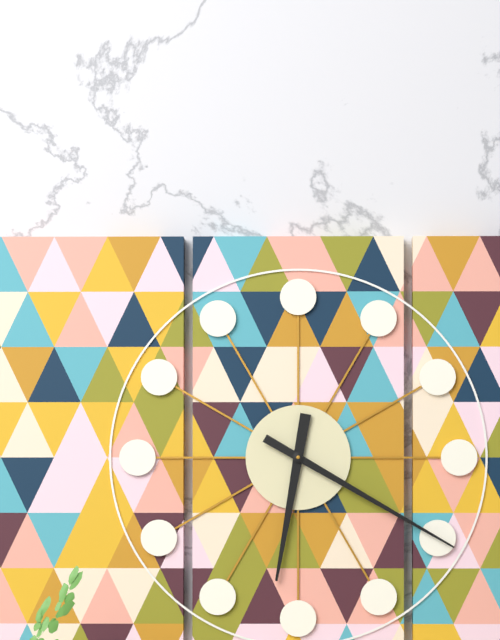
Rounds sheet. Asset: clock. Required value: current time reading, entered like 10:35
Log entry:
6:20
